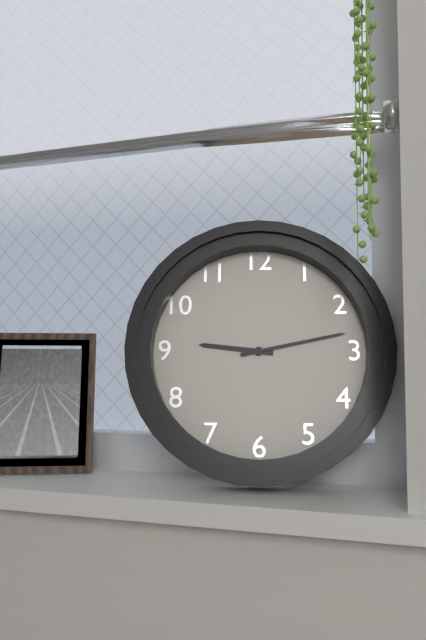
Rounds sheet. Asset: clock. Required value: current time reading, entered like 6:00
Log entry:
9:13
